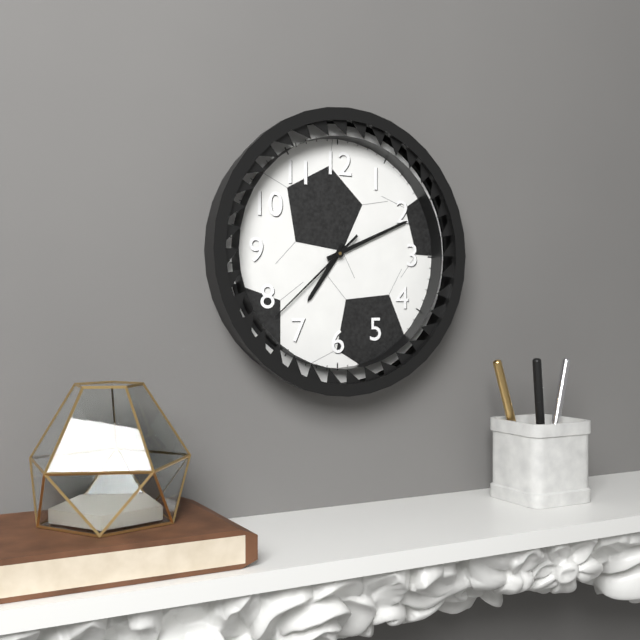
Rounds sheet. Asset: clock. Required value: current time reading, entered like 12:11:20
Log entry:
7:11:38
